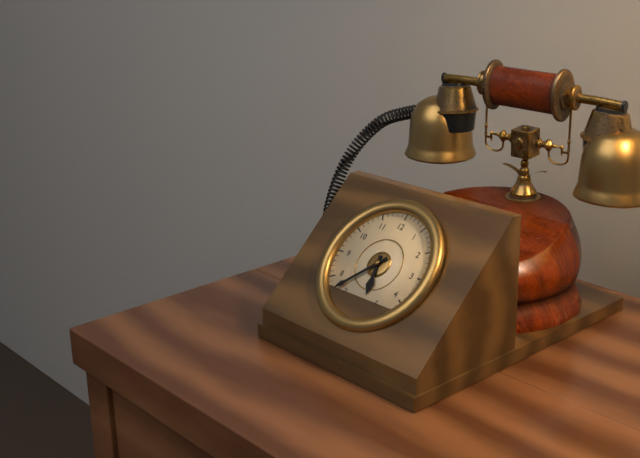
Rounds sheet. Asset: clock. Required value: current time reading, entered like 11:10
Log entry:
5:37
